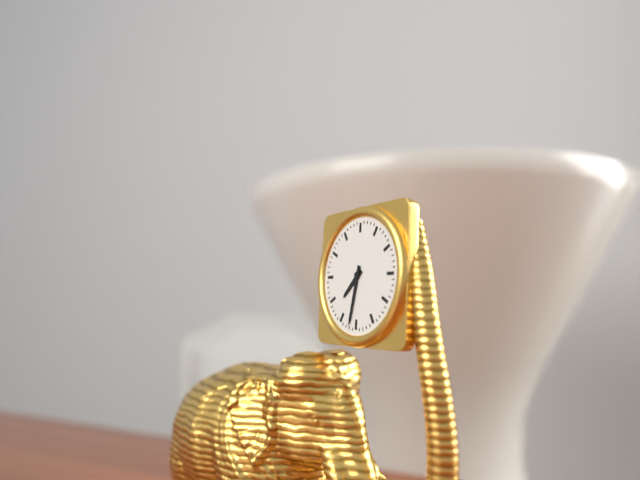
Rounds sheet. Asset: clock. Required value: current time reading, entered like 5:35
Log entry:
7:32
